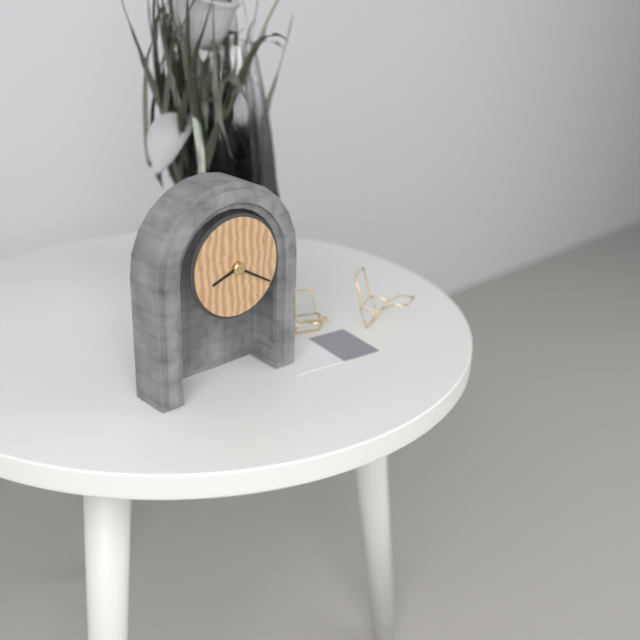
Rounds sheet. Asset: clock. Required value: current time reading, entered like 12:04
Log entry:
8:20
